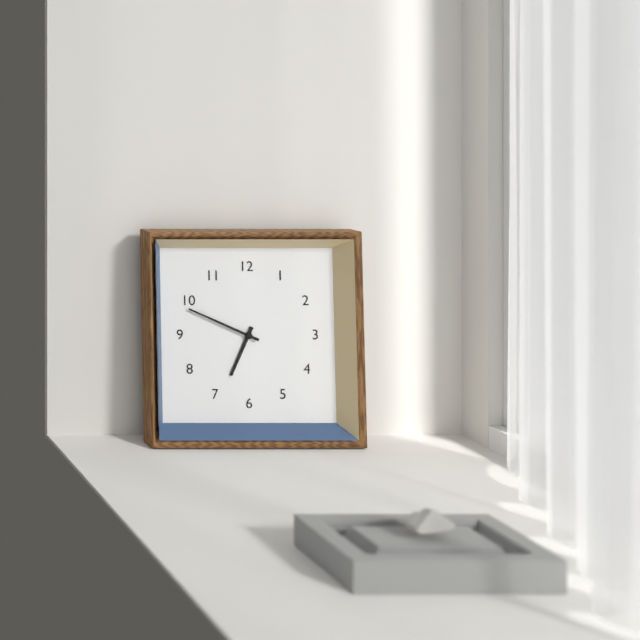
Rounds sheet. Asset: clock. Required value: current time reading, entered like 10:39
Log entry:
6:49
